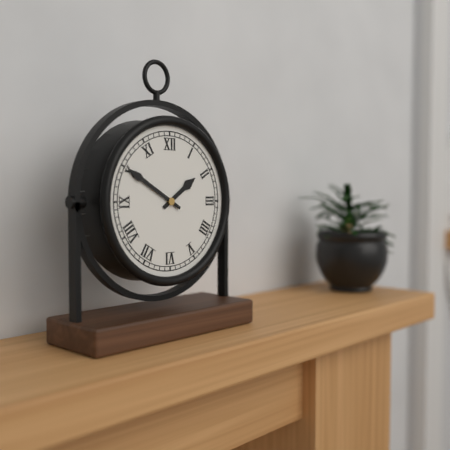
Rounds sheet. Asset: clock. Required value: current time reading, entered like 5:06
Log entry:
1:50
